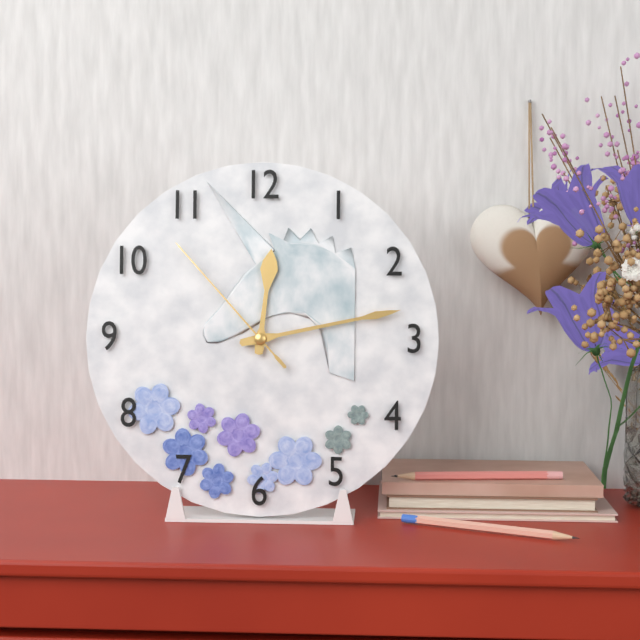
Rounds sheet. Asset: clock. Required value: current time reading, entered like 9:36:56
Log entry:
12:13:53
